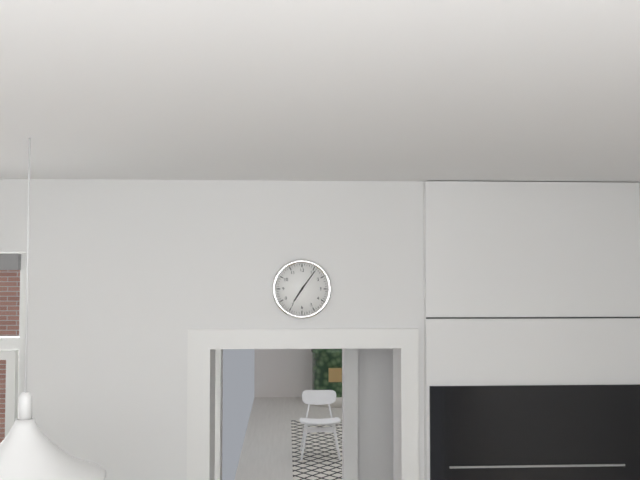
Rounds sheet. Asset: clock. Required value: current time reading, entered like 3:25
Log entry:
7:06
